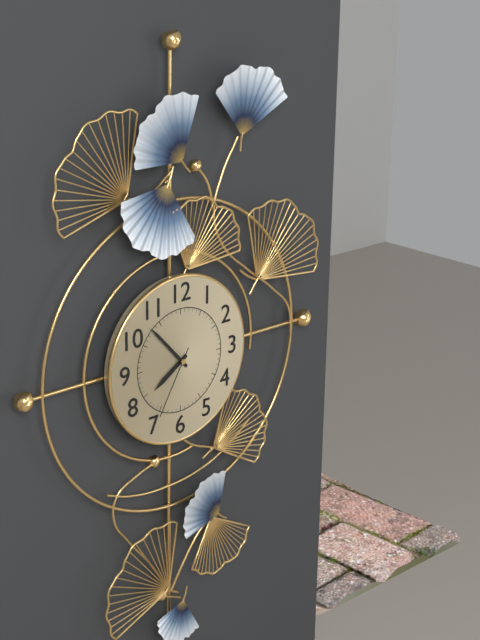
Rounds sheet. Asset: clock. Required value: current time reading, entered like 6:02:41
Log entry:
7:53:35
